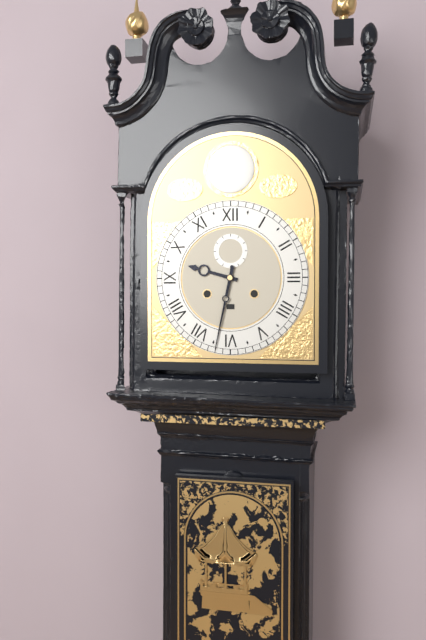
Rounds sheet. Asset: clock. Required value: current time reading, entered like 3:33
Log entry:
9:32
